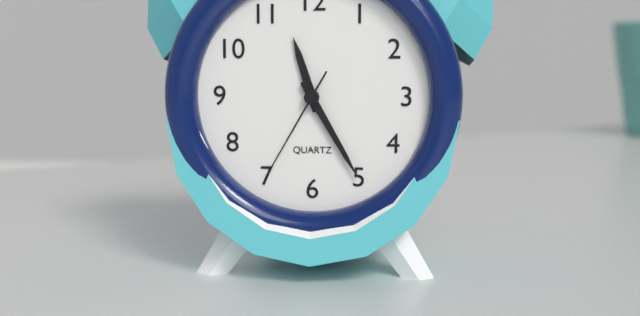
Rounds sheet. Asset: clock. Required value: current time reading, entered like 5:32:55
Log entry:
11:25:35
